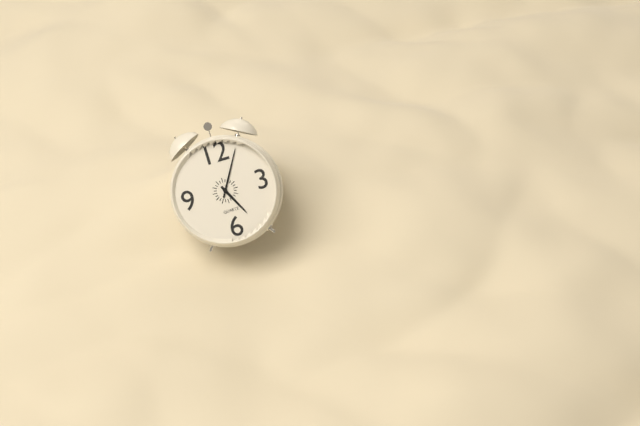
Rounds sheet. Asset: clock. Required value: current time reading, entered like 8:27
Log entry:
5:05
